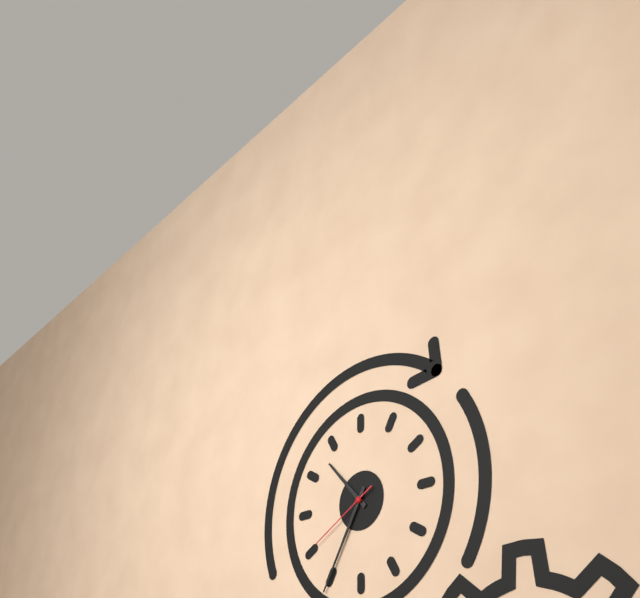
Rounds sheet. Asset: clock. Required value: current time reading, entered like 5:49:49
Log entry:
10:35:40
